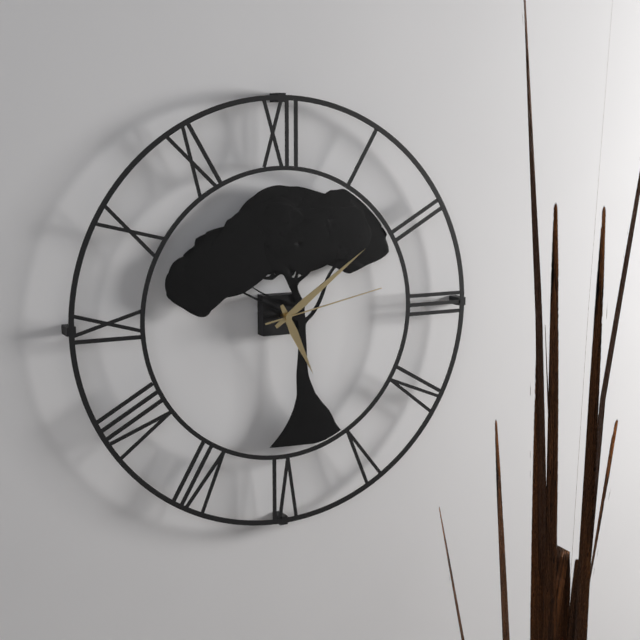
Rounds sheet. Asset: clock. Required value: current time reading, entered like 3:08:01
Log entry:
5:09:13
